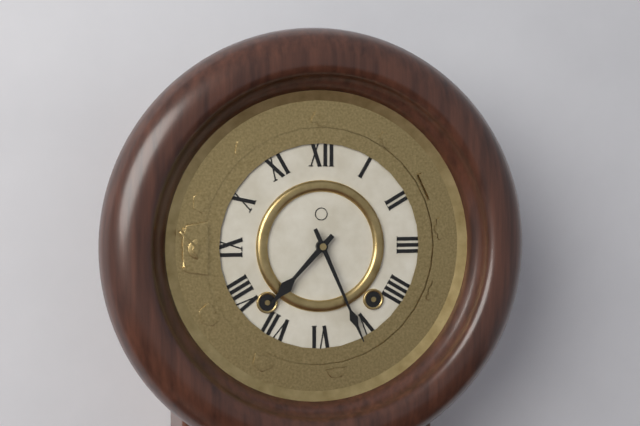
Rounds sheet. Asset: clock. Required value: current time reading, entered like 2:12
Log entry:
7:26
